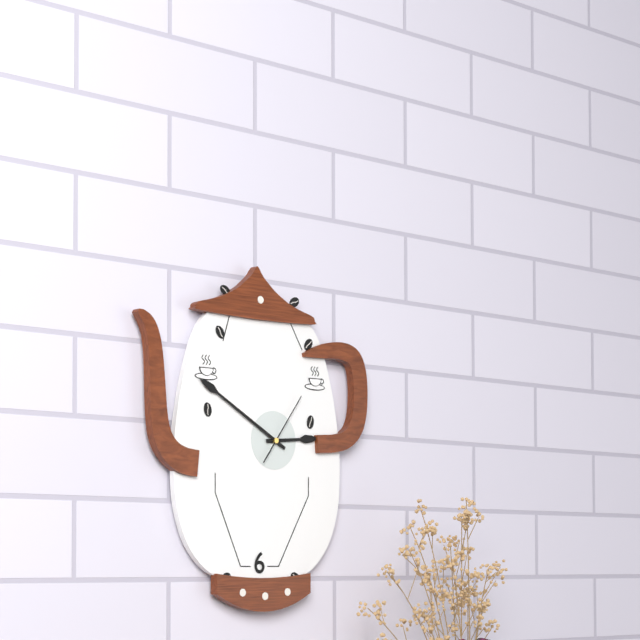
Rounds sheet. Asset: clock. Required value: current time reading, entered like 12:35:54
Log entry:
2:50:06
